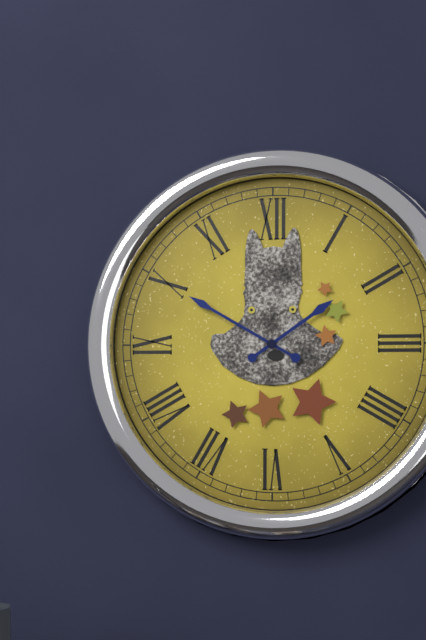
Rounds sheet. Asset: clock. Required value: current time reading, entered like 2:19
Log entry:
1:50
